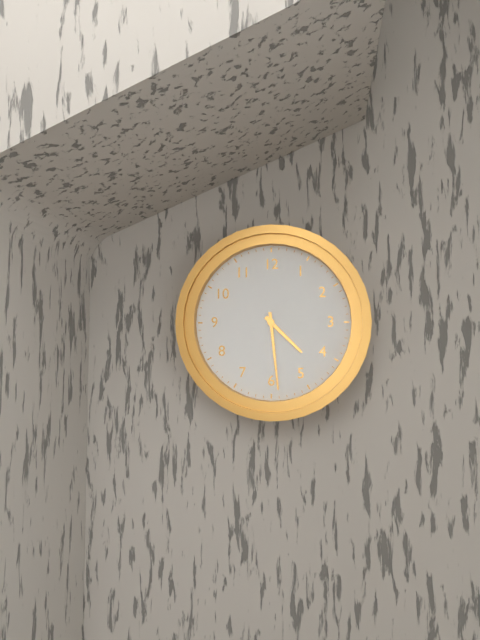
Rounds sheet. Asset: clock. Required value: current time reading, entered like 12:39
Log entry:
4:29
